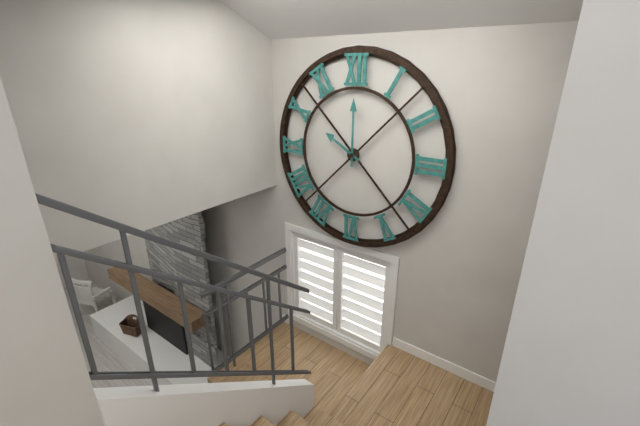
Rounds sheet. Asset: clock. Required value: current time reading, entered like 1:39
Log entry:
10:00
